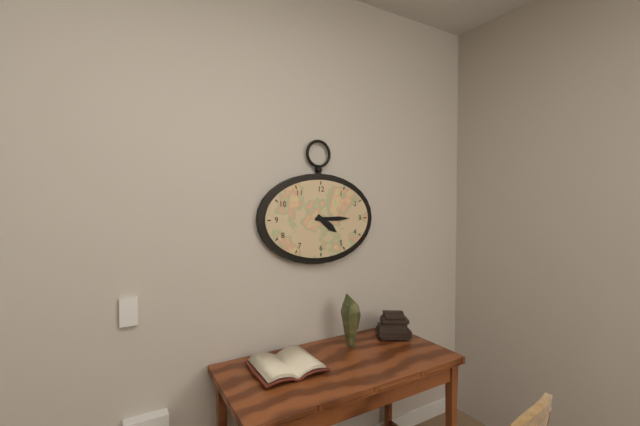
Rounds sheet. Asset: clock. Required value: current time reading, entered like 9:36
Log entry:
4:15
